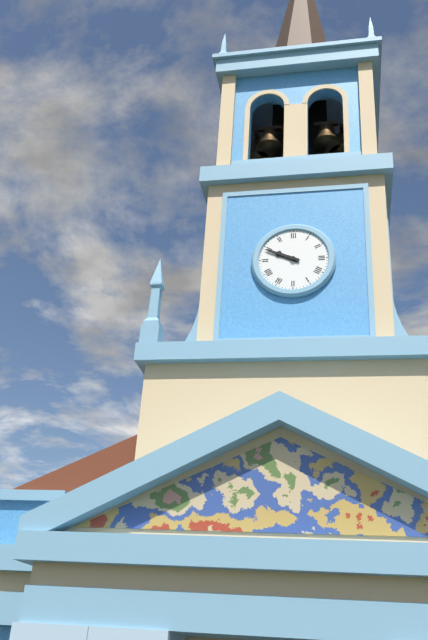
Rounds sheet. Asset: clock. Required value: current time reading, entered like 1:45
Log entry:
9:49
